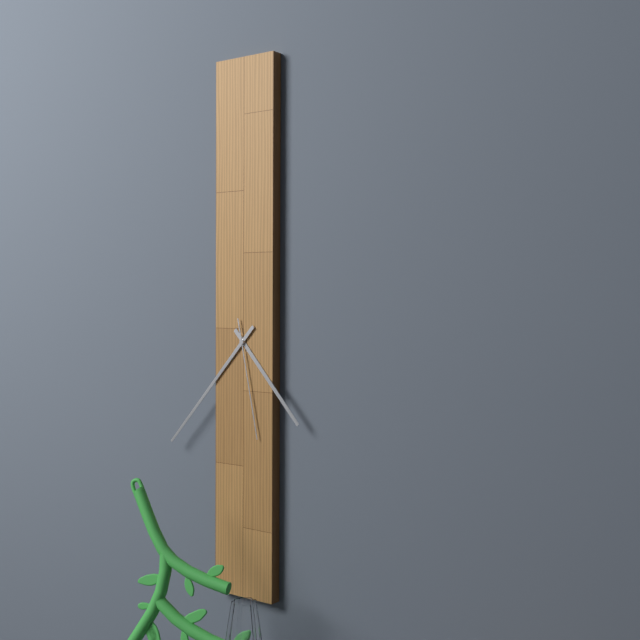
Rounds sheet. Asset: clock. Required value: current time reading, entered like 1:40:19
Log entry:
4:37:28
